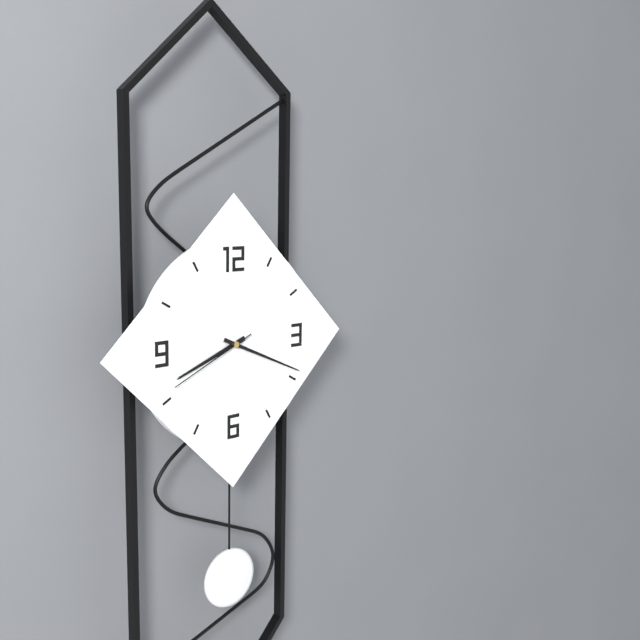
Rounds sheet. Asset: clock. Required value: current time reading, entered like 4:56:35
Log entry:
8:19:41
